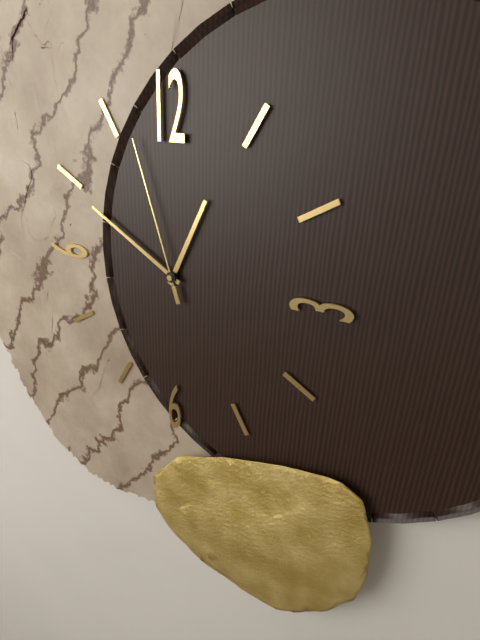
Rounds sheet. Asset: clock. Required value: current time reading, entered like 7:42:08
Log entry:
12:50:57
